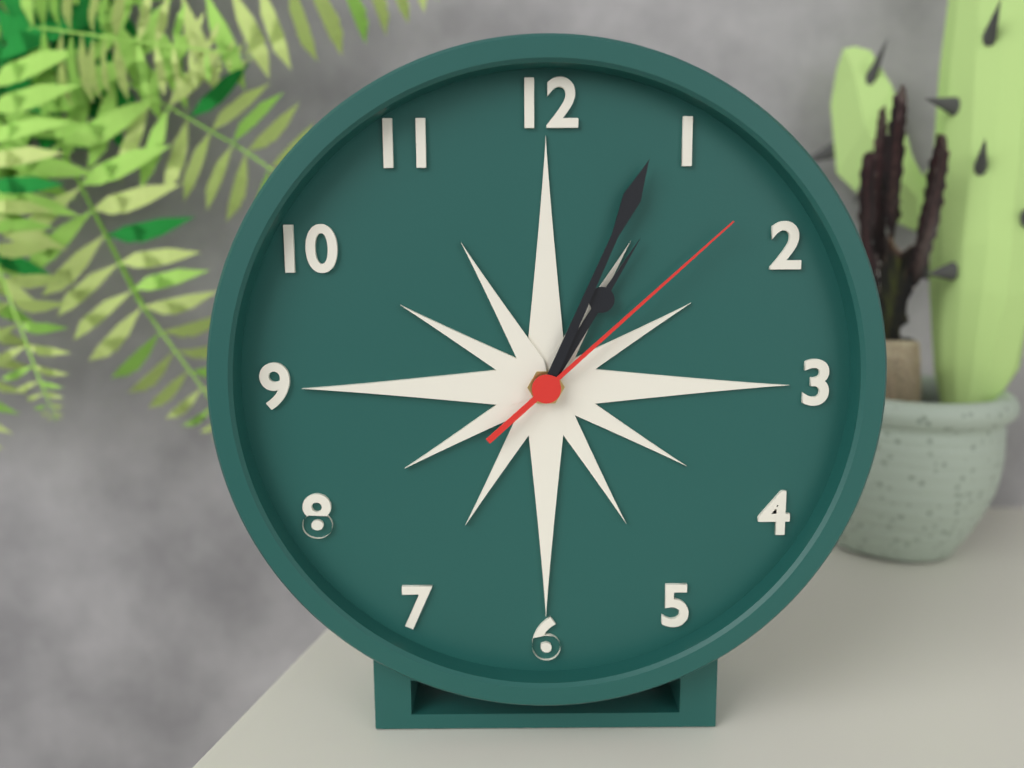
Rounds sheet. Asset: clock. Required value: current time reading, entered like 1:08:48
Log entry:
1:04:08
